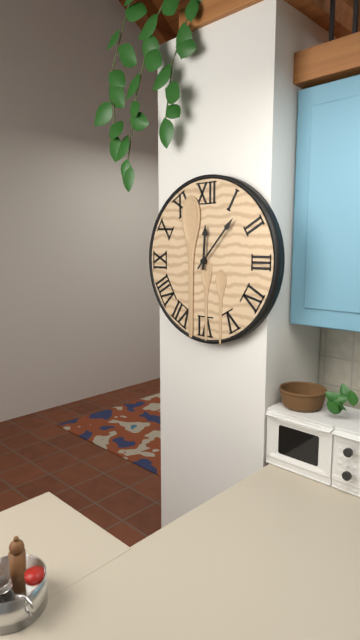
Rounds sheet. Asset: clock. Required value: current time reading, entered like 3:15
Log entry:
12:07
